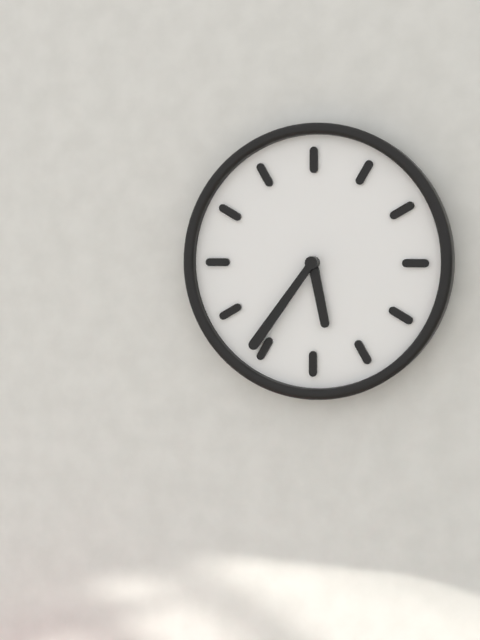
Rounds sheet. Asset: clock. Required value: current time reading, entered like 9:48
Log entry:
5:36
